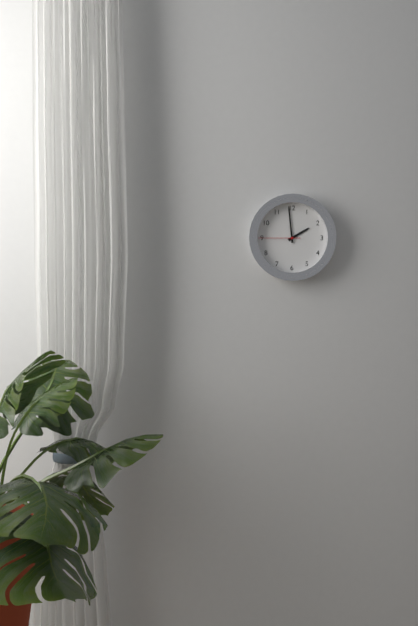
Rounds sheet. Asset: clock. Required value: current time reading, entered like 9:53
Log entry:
1:59
